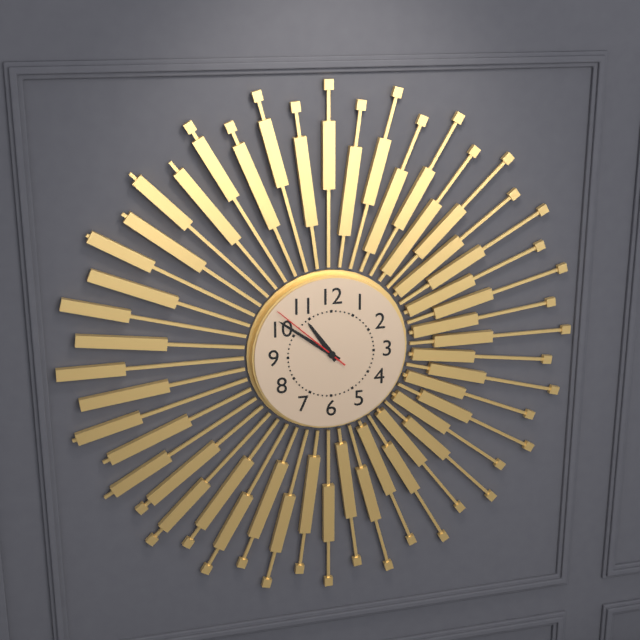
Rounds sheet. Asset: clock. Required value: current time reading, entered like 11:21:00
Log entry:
10:51:52
